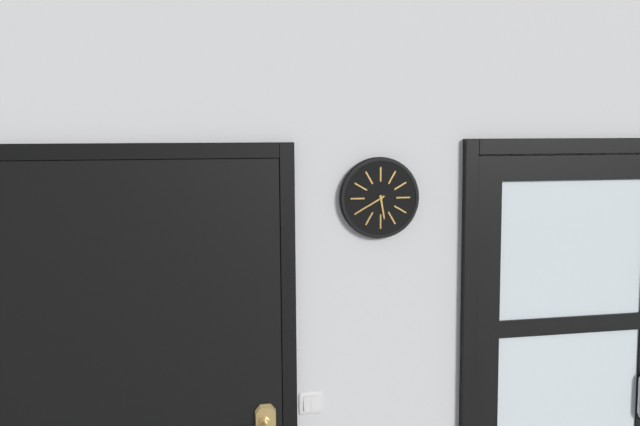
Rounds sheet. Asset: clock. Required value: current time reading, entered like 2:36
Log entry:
5:40
